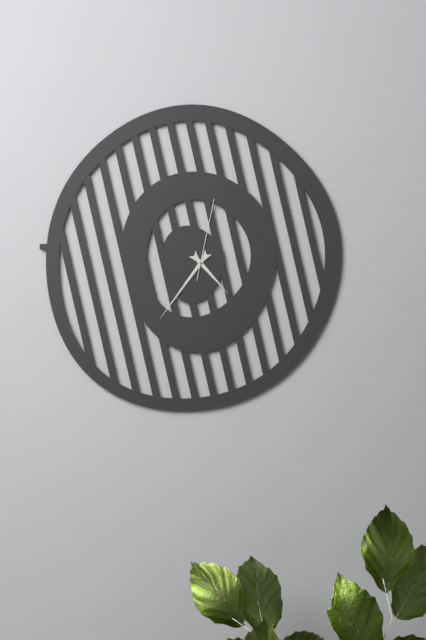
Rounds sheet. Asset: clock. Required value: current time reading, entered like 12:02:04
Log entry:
4:36:02
